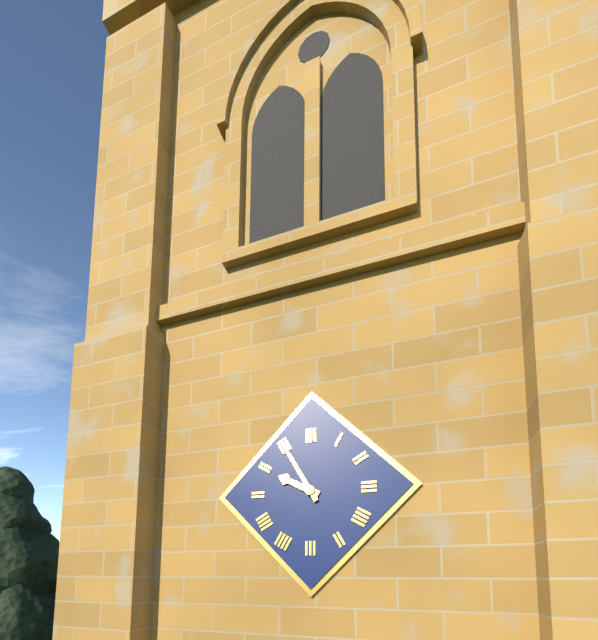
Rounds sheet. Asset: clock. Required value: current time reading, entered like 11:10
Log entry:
9:55
